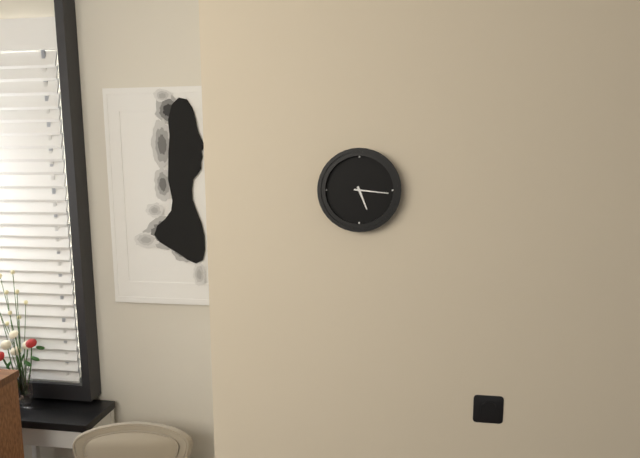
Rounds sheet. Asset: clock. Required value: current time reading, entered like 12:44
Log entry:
5:16
